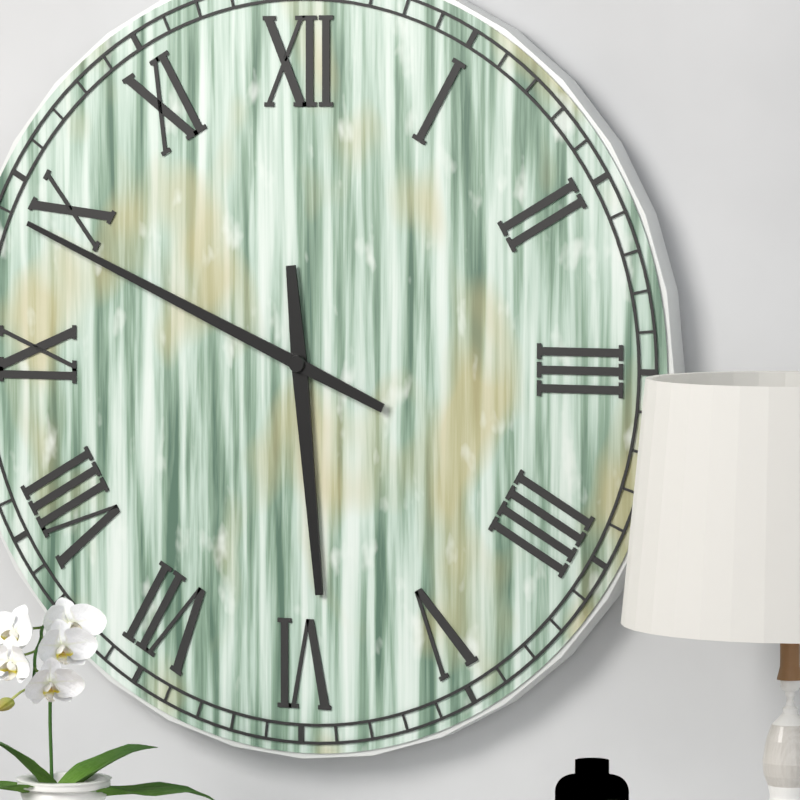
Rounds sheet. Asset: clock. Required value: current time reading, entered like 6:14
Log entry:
5:49
